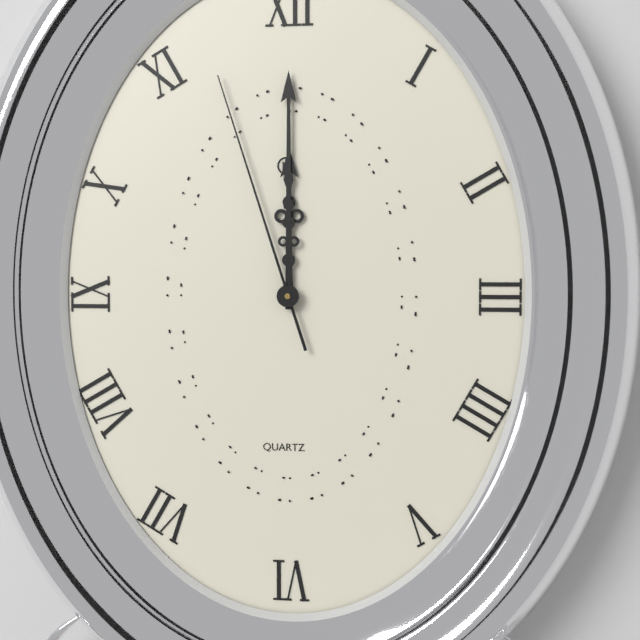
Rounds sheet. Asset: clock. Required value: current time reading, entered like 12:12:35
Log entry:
12:00:57
